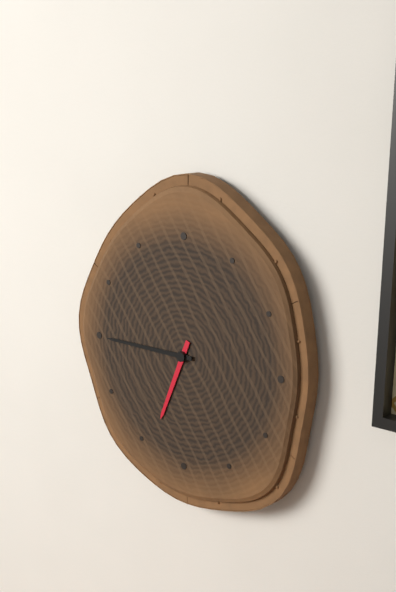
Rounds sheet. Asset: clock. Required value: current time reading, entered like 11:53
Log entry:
6:45
